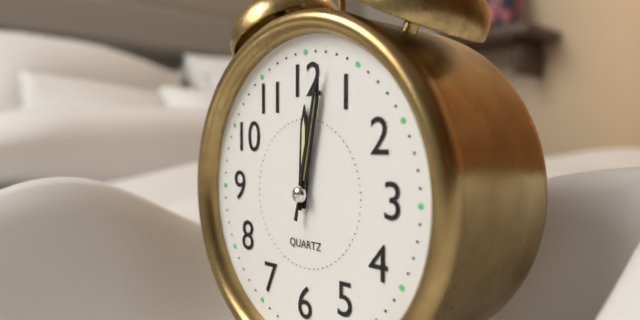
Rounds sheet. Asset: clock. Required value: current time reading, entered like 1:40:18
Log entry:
12:02:02
